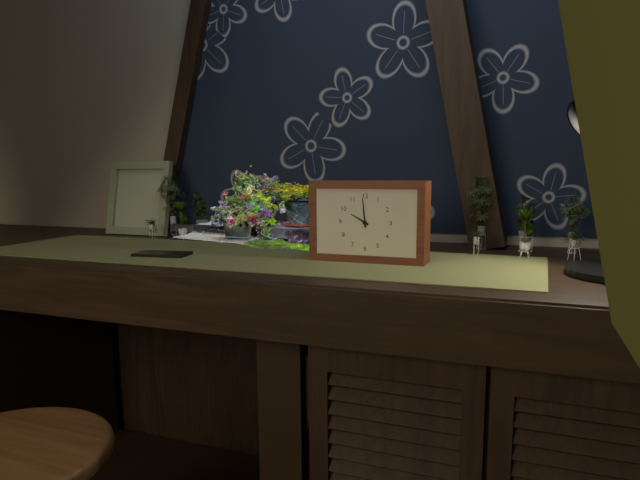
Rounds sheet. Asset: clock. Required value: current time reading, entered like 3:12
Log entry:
9:59
